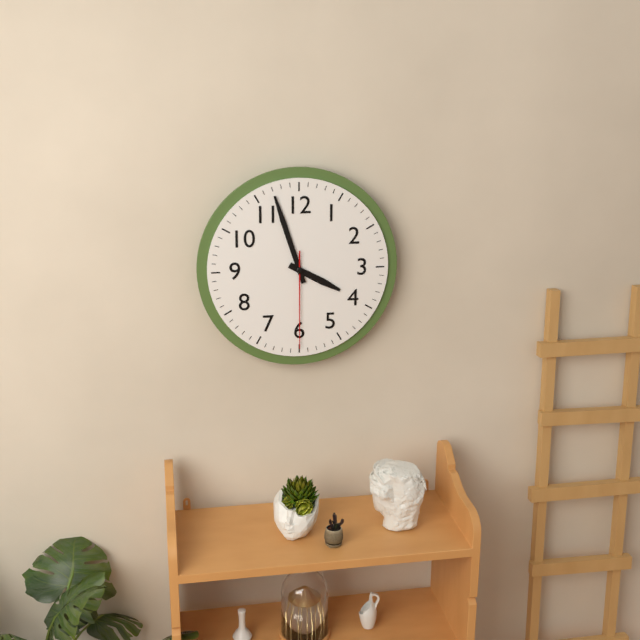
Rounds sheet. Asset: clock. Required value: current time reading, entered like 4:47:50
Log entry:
3:57:30
